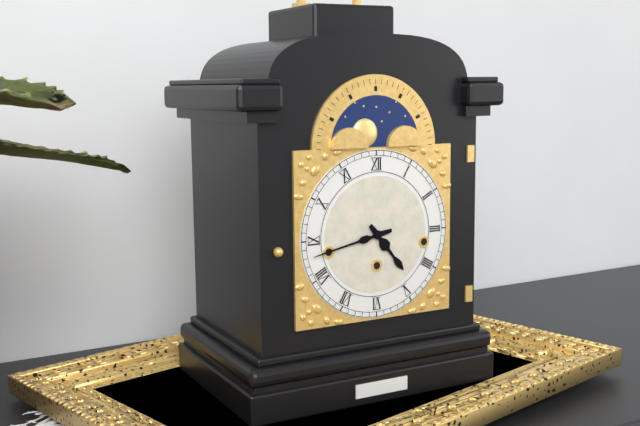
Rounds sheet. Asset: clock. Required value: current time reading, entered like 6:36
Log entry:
4:43
